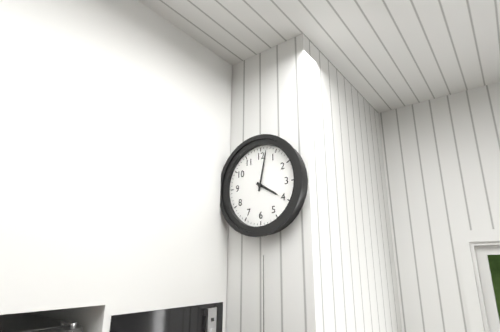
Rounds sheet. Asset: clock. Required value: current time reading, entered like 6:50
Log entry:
4:02
